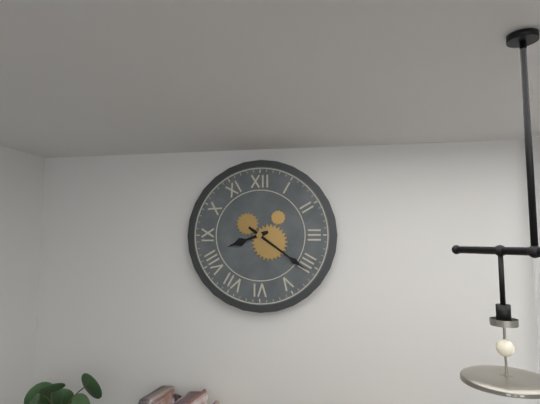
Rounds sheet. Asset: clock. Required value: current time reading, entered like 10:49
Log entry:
8:21
